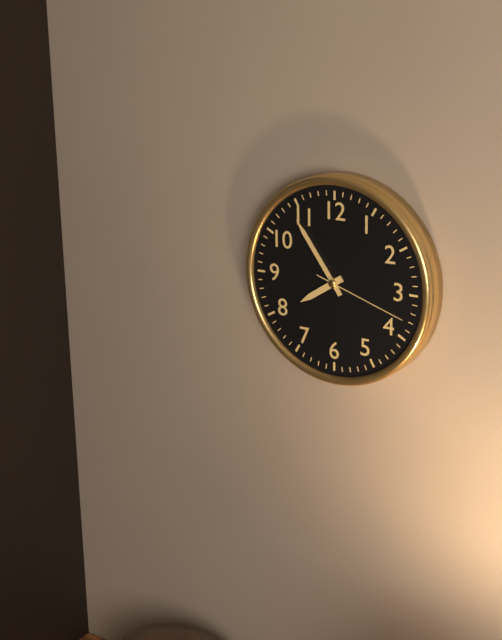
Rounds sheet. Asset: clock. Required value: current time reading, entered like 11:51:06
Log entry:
7:54:18
